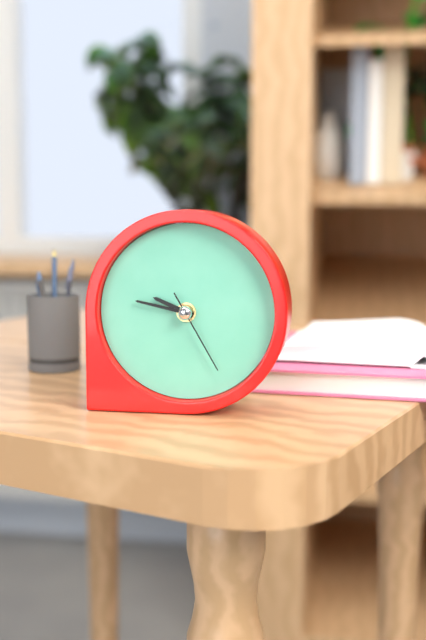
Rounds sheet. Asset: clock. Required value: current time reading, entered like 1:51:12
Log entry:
9:47:25
